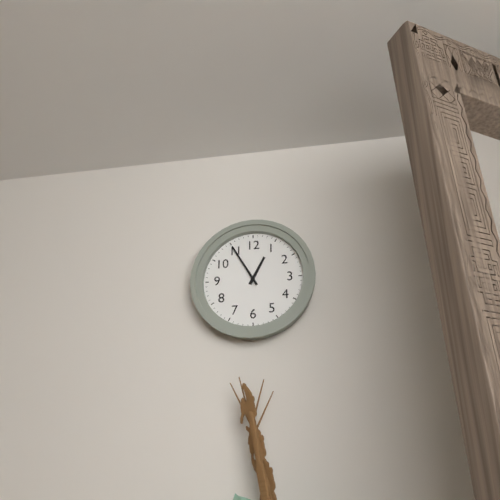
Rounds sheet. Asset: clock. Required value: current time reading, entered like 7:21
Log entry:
12:55
